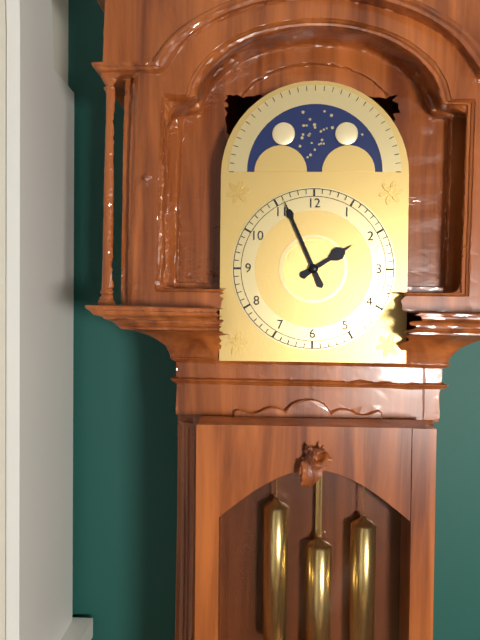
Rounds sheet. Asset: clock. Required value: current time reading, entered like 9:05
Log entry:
1:56
